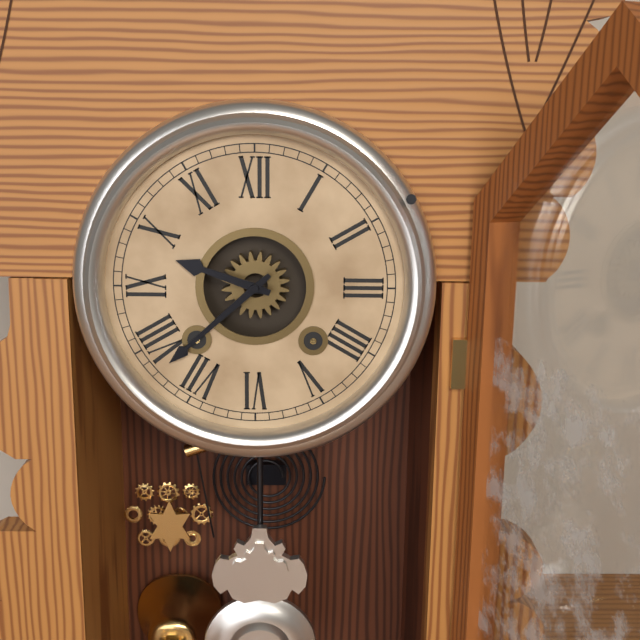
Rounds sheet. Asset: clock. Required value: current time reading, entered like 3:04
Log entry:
9:38
